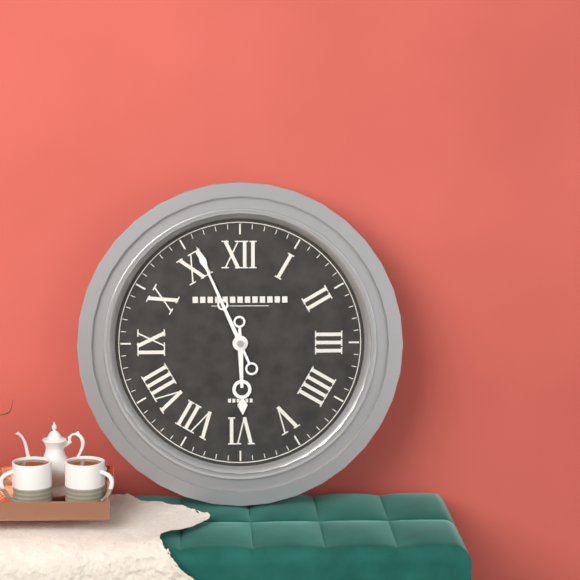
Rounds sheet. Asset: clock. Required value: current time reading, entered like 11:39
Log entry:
5:56
